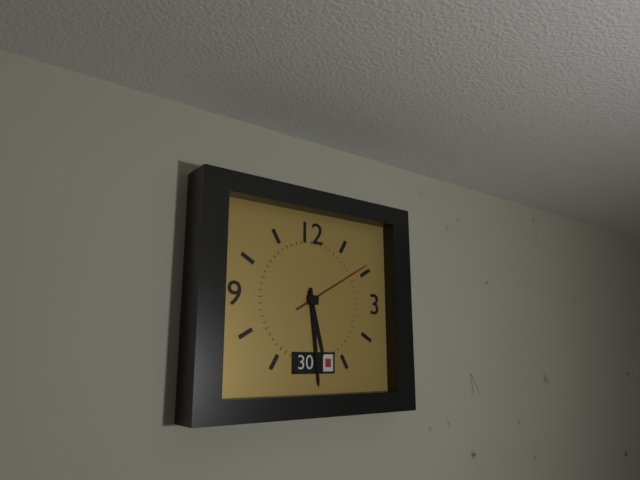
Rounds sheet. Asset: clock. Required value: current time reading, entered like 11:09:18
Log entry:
5:29:10
